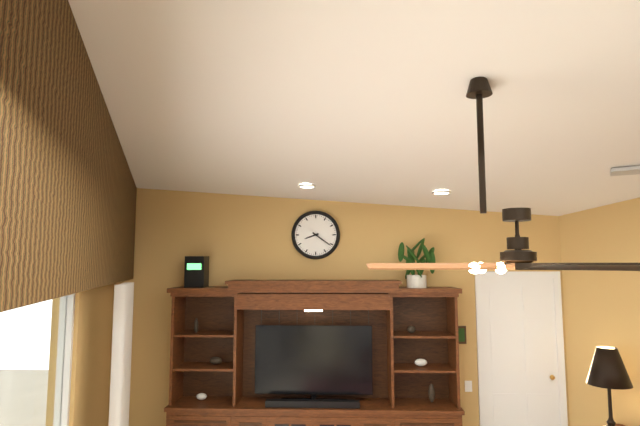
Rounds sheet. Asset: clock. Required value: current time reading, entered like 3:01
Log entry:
8:21
